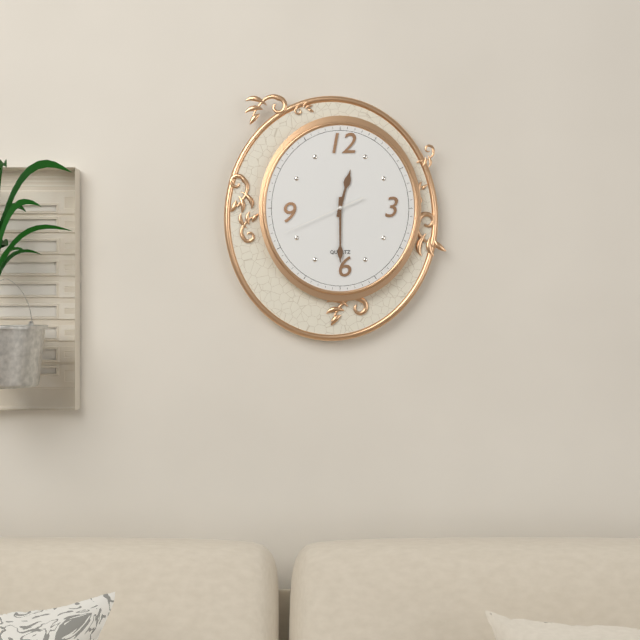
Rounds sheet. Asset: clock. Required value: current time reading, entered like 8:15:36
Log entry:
12:30:41
